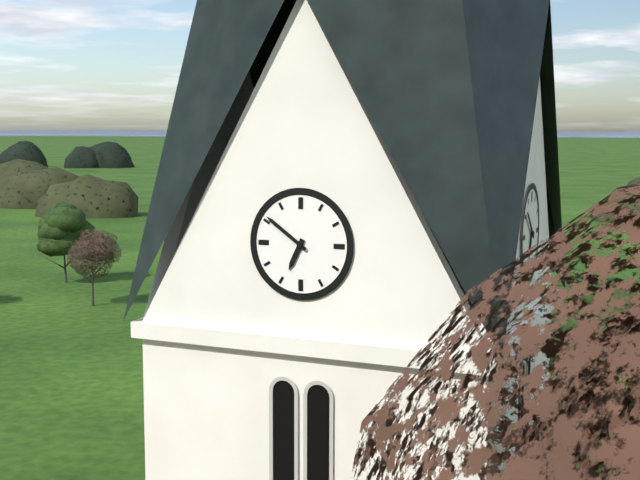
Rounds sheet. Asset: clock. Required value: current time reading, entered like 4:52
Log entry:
6:51
